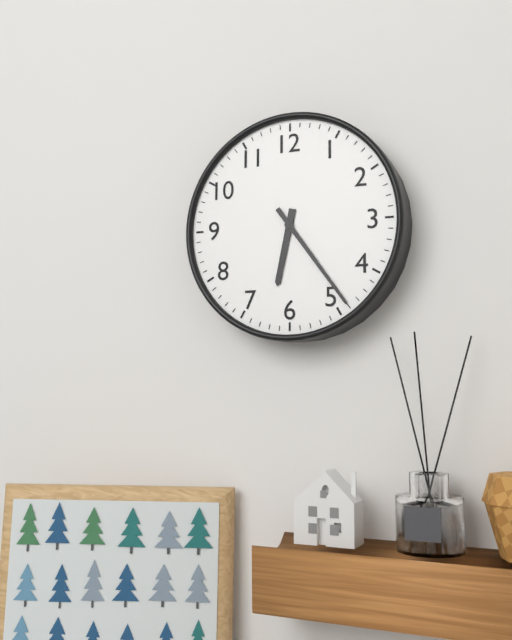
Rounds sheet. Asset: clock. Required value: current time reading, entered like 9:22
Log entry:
6:24
